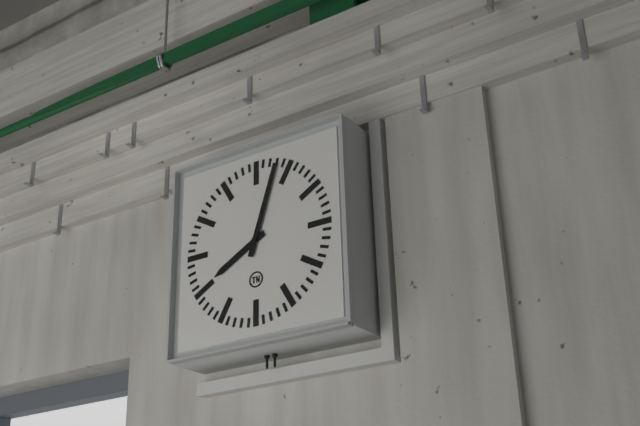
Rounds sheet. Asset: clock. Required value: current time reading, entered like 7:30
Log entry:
8:03
